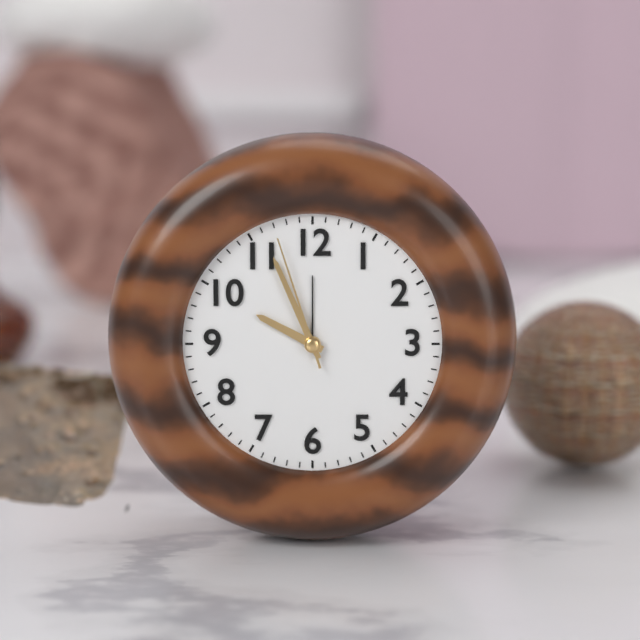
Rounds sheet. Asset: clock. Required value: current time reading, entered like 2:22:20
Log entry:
9:56:57
